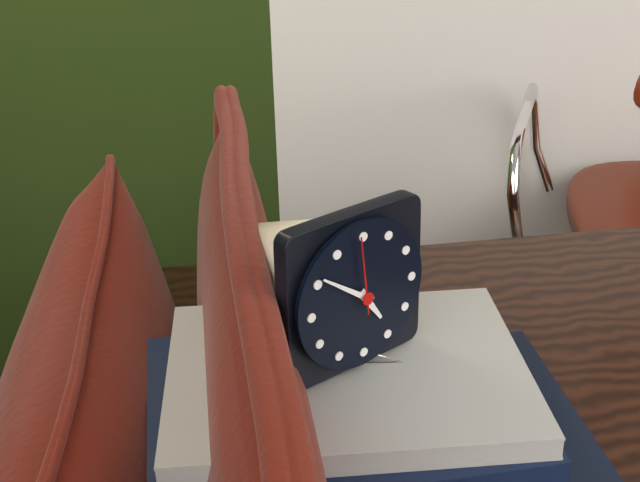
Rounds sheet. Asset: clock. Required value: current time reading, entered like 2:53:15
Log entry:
4:51:59
